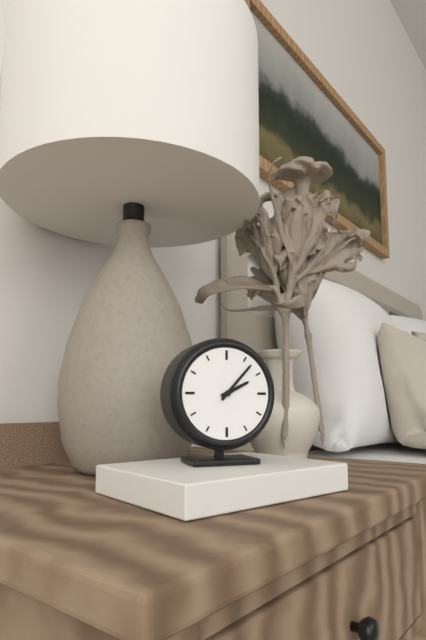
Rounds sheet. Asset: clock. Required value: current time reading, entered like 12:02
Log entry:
2:07
